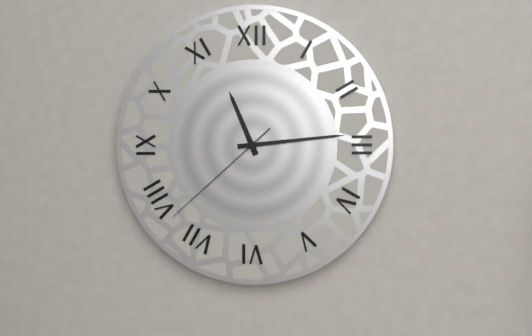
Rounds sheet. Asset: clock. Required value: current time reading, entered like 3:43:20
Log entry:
11:14:38
